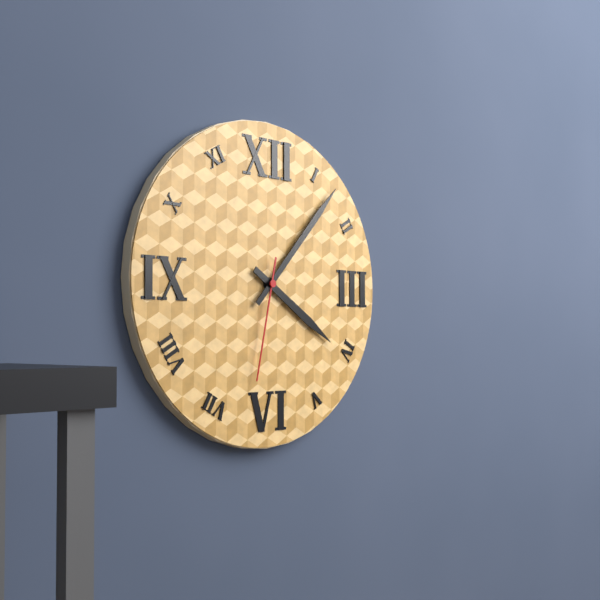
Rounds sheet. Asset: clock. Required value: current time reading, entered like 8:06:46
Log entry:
4:07:32
